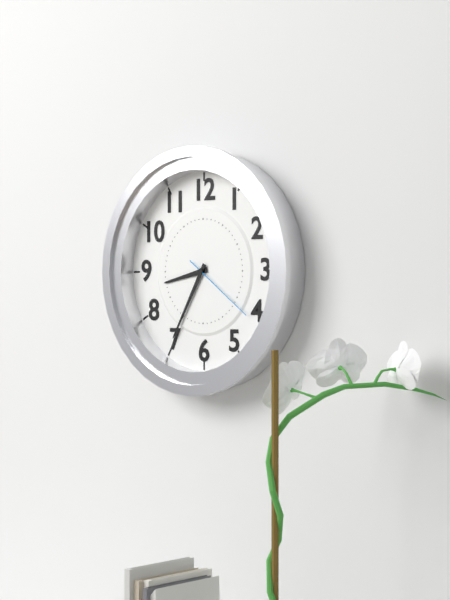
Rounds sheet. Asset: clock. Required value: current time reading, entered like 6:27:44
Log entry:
8:35:21
